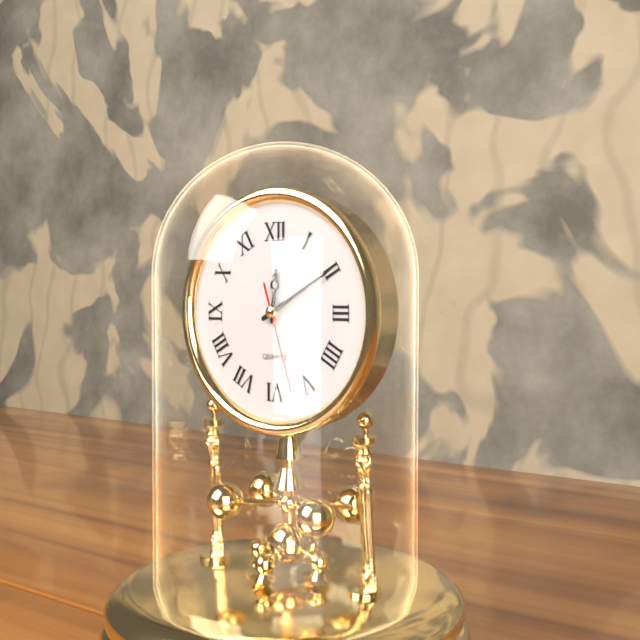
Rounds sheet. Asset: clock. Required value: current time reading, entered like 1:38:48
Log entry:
12:10:27
